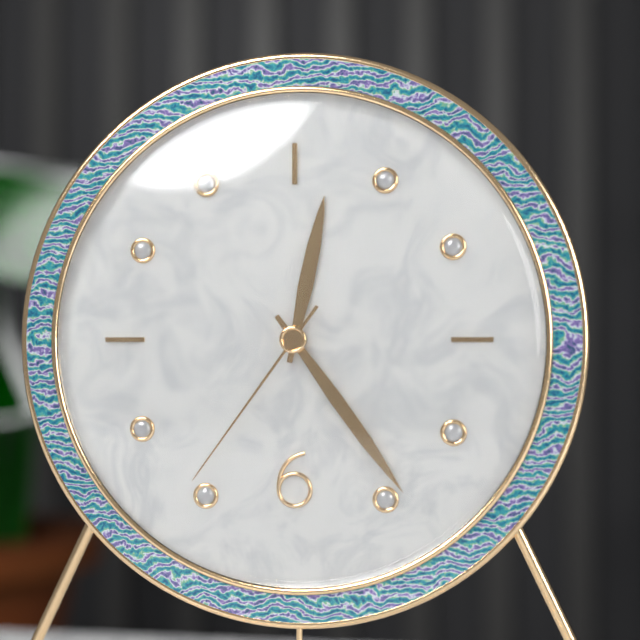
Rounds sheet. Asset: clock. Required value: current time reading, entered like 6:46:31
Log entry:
12:24:36
